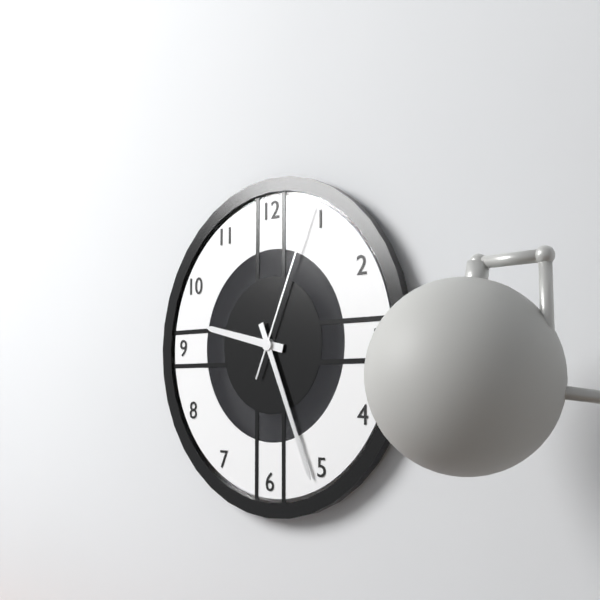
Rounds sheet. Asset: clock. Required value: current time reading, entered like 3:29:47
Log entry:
9:26:04
